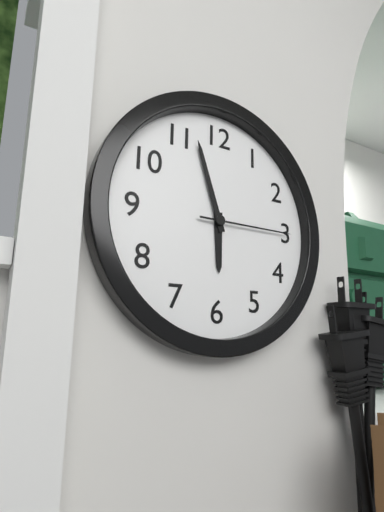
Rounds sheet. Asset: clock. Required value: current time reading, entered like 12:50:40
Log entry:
5:57:15
